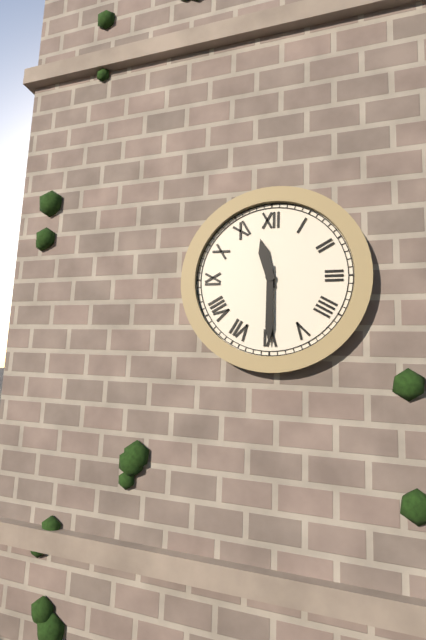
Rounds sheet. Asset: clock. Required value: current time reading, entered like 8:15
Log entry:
11:30
